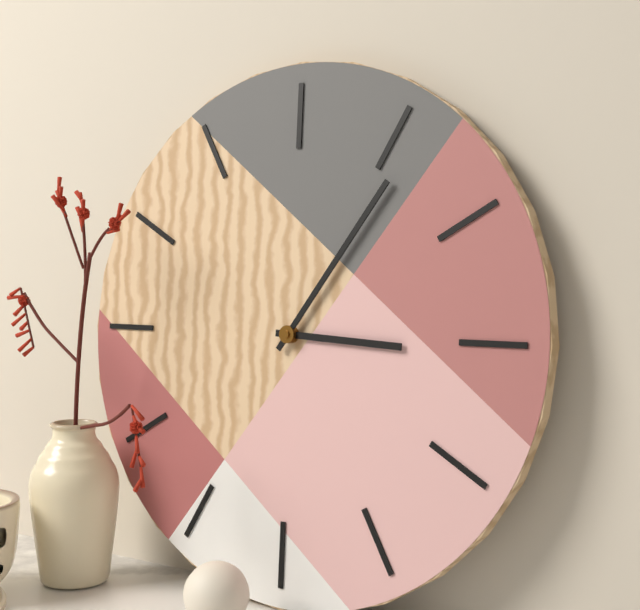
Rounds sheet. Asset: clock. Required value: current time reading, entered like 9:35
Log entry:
3:06
